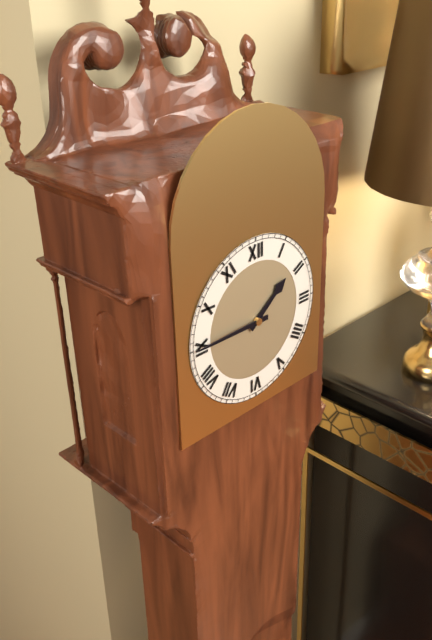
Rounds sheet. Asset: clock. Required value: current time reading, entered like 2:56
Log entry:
1:45
